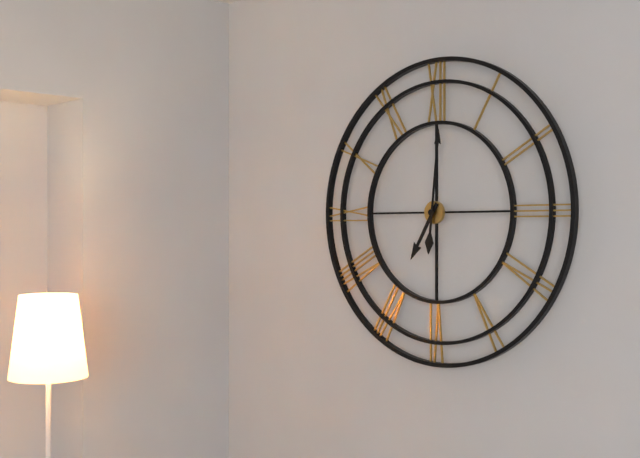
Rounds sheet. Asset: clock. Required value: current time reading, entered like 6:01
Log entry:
7:01
